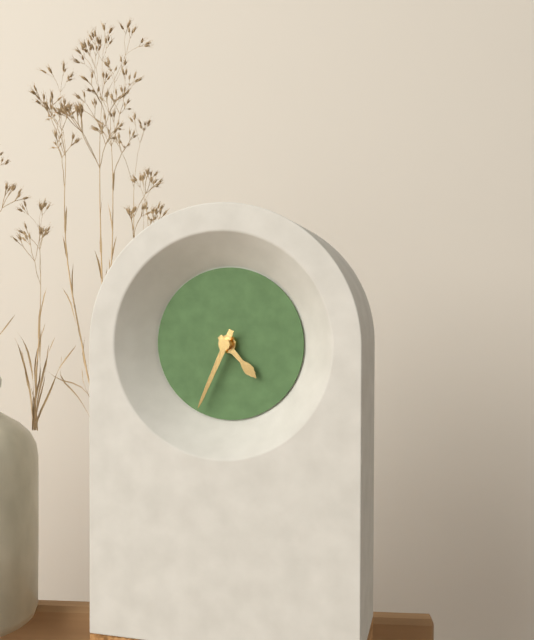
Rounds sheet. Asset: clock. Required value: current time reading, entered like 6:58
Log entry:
4:34
